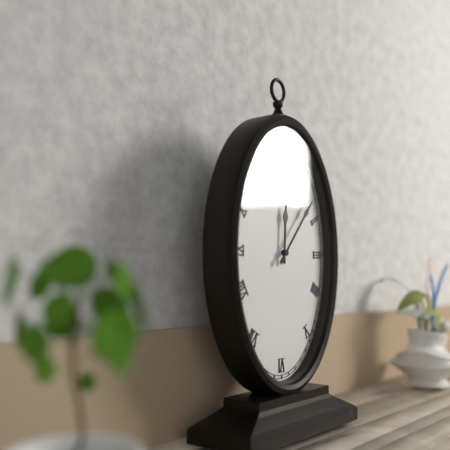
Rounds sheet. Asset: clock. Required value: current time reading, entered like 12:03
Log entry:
12:07
